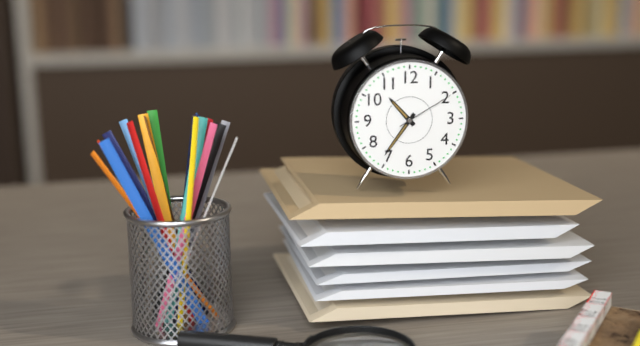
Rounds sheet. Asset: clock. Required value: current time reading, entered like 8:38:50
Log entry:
10:36:10
